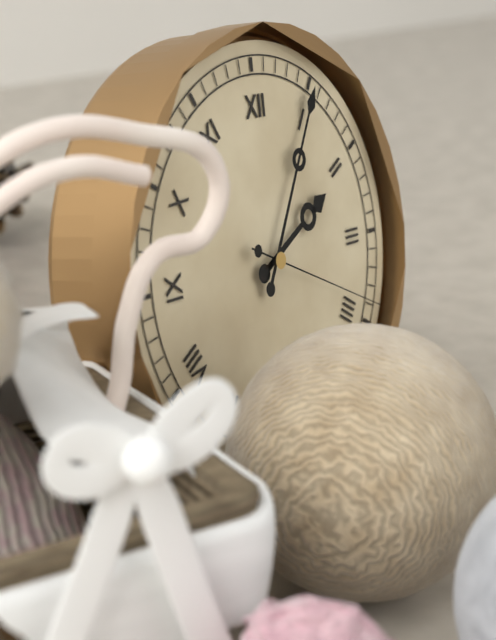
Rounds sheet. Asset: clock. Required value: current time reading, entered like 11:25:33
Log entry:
2:05:19
